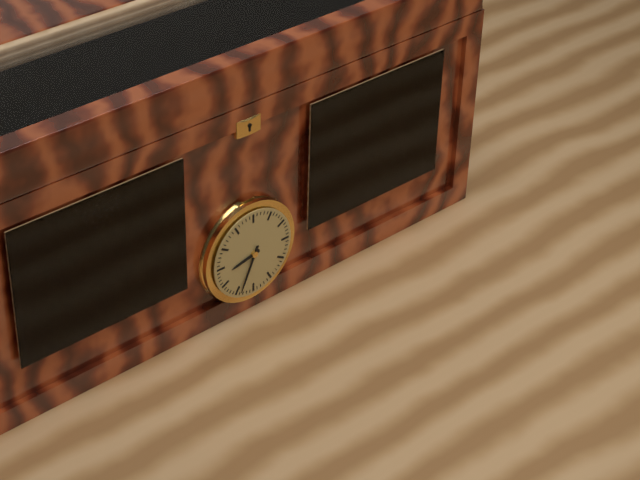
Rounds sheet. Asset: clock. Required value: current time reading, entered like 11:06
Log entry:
8:34
